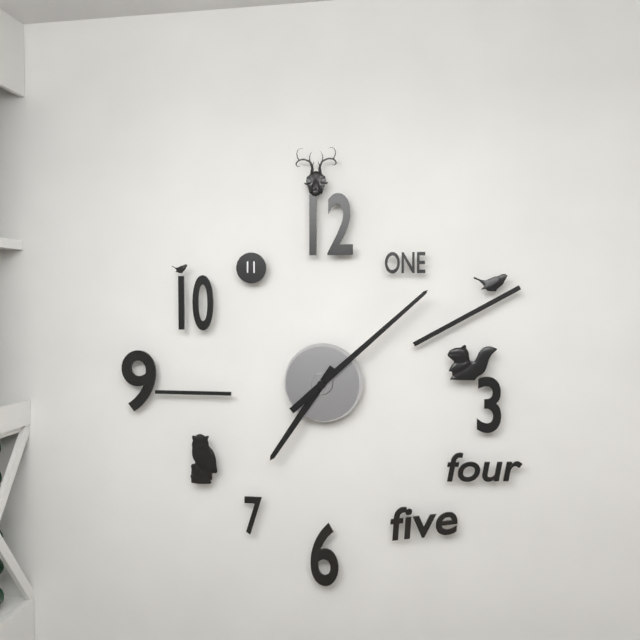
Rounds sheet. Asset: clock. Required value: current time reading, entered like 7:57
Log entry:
7:08
